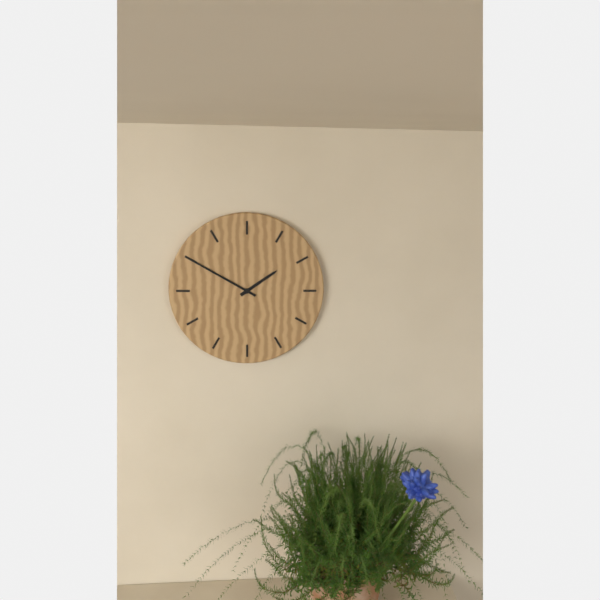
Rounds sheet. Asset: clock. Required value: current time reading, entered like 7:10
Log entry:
1:50
